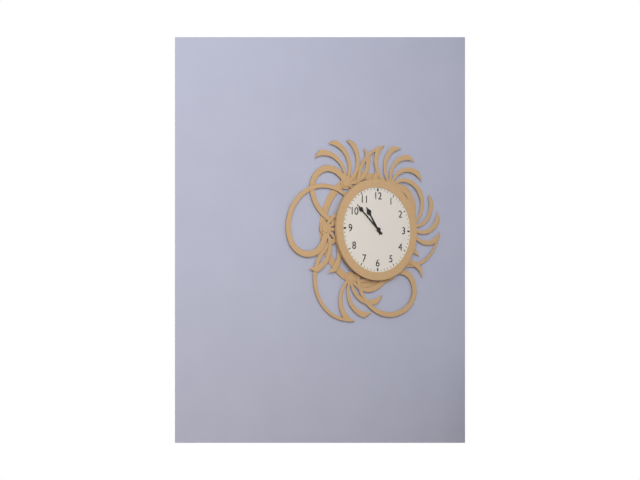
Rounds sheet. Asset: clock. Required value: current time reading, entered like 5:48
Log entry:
10:52
